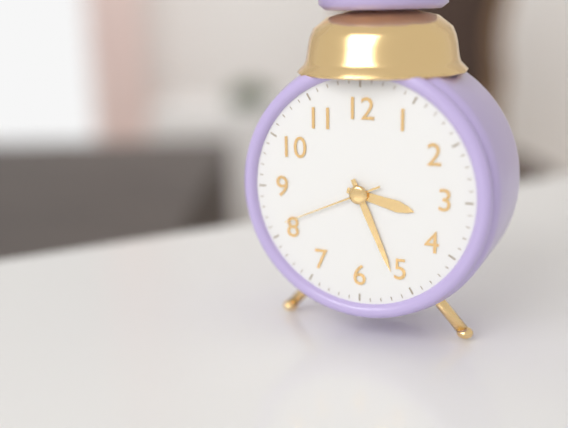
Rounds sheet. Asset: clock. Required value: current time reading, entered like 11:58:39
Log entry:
3:26:41
